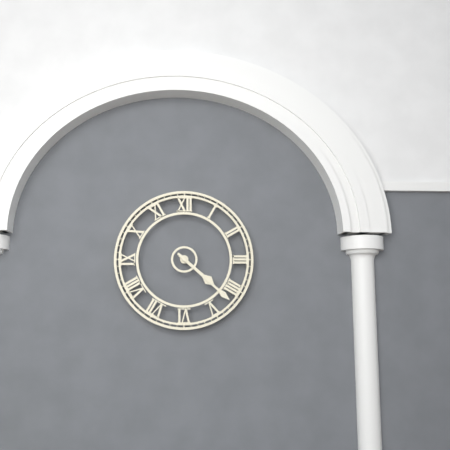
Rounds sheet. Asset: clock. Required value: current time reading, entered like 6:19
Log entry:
4:22
